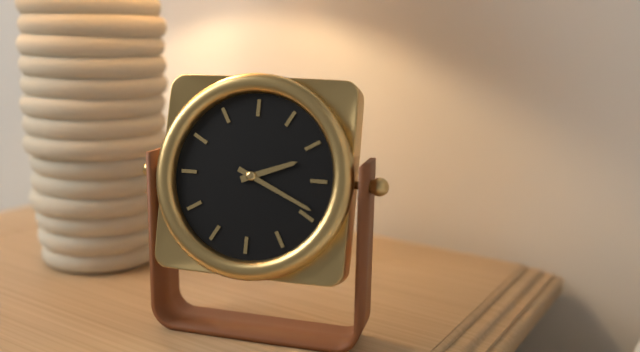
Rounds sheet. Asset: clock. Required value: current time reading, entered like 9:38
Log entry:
2:19
